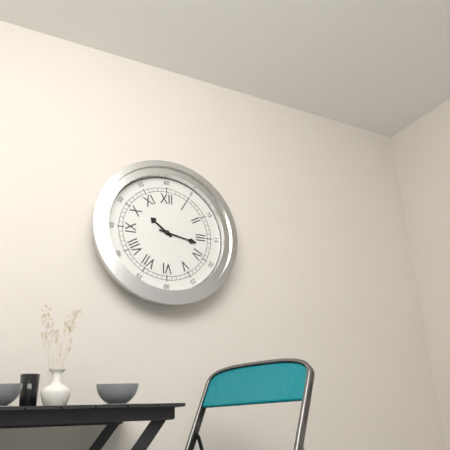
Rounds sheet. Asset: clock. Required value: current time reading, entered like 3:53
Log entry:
10:17
